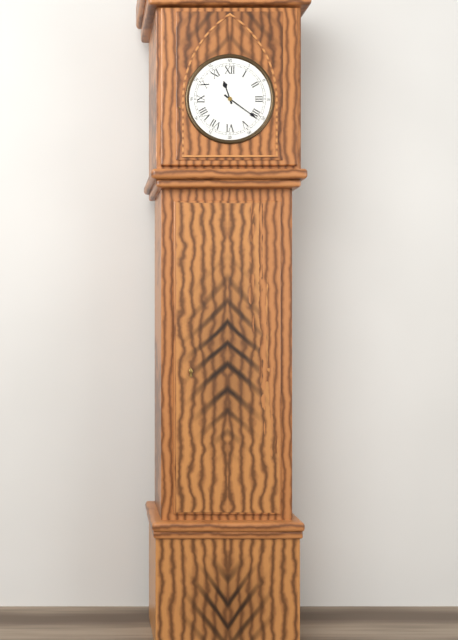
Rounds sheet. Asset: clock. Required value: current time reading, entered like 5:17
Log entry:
11:21
